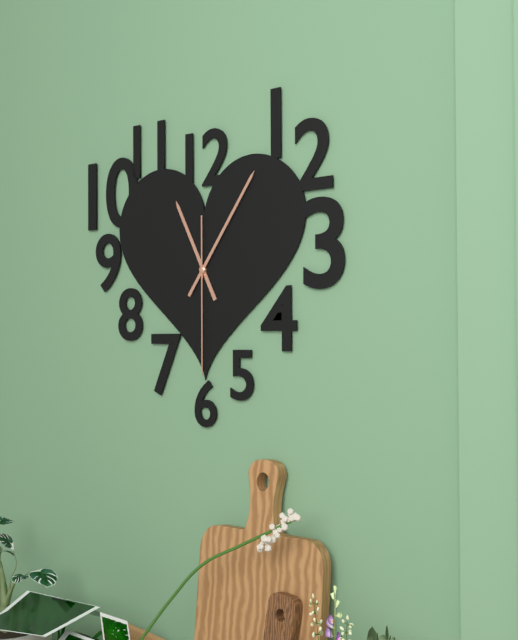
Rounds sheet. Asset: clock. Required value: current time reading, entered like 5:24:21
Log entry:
11:06:30
